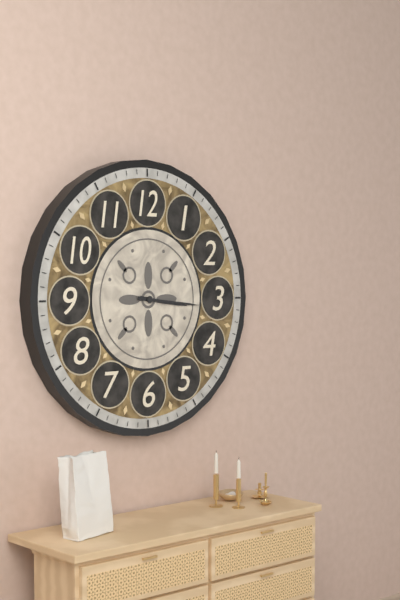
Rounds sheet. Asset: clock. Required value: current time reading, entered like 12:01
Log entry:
3:16
